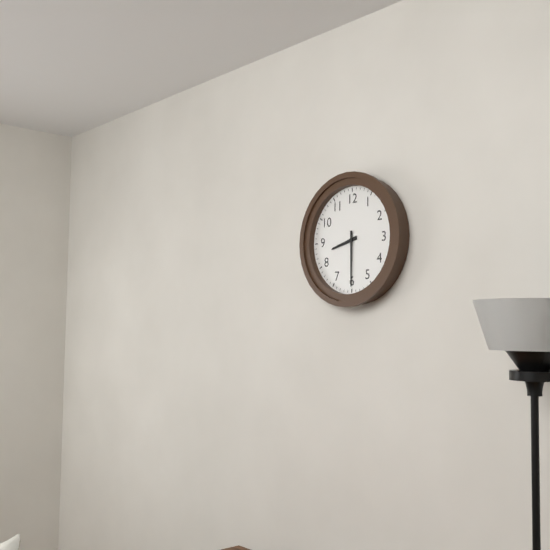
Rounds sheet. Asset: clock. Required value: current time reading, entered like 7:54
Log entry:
8:30
